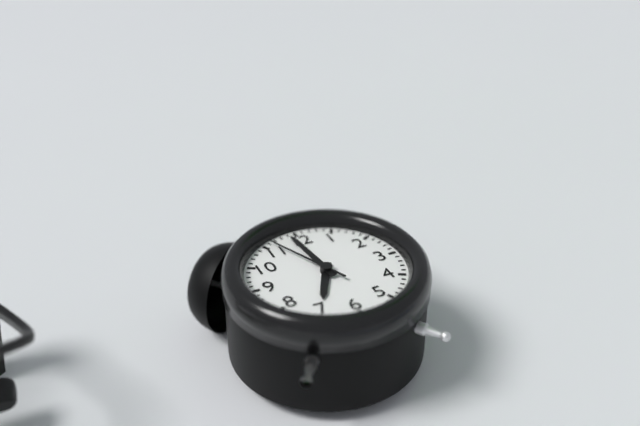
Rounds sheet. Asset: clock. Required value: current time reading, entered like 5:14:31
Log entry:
6:59:56
